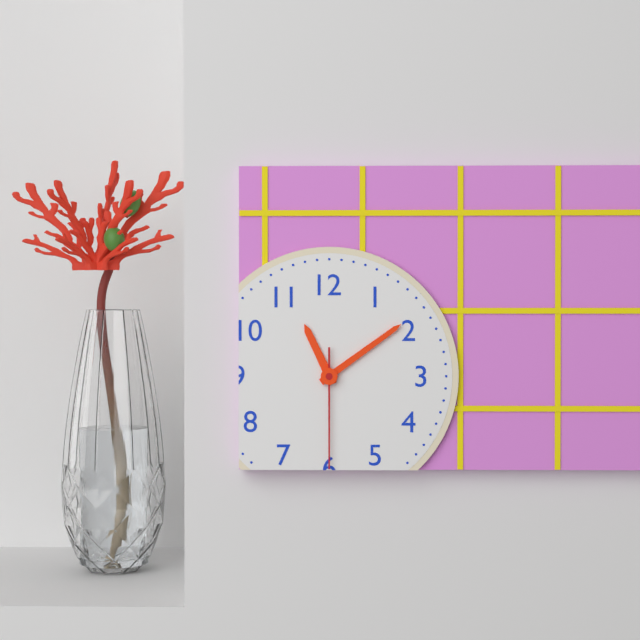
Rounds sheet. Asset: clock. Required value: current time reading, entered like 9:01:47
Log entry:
11:09:30
